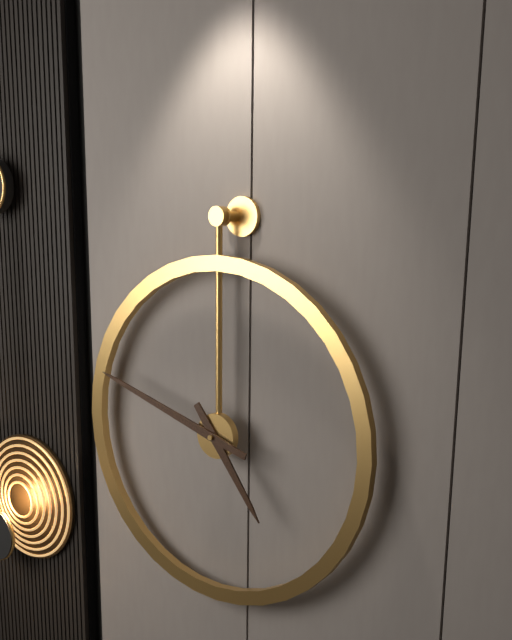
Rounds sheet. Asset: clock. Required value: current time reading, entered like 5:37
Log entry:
4:48
